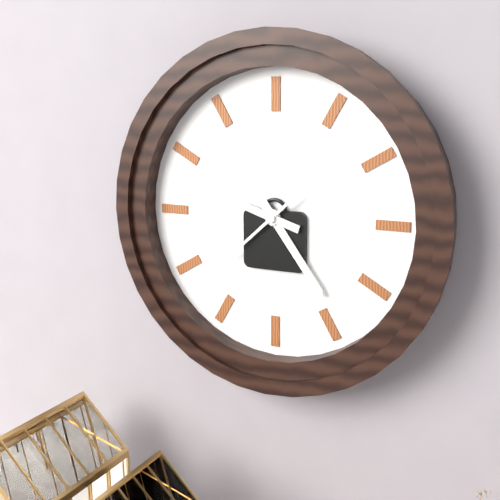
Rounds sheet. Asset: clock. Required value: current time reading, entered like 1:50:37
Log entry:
4:48:38
